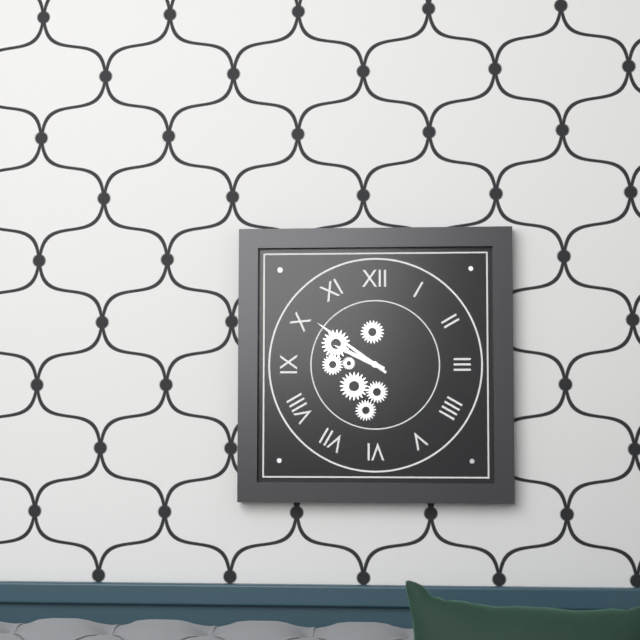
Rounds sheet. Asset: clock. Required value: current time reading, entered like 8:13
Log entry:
9:51
